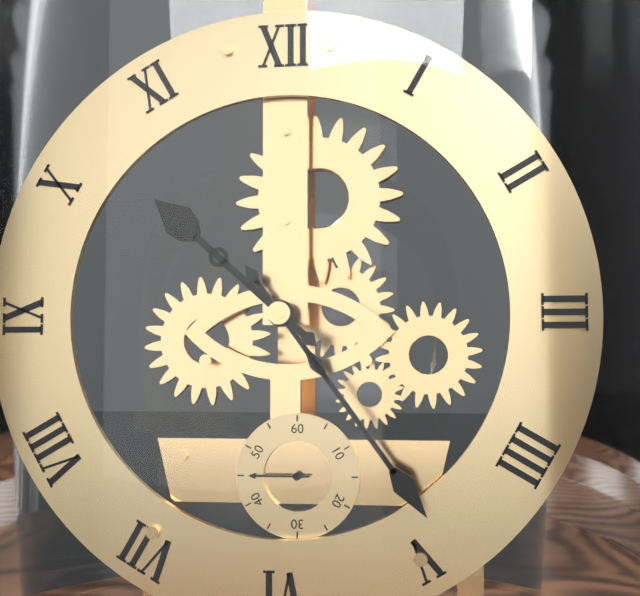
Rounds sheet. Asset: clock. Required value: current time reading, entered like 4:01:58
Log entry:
10:24:45
